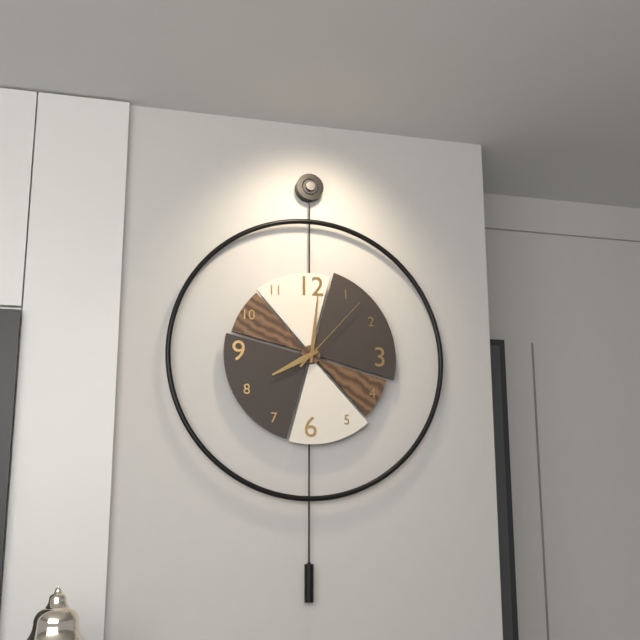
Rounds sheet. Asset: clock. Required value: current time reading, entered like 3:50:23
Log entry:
8:01:07
